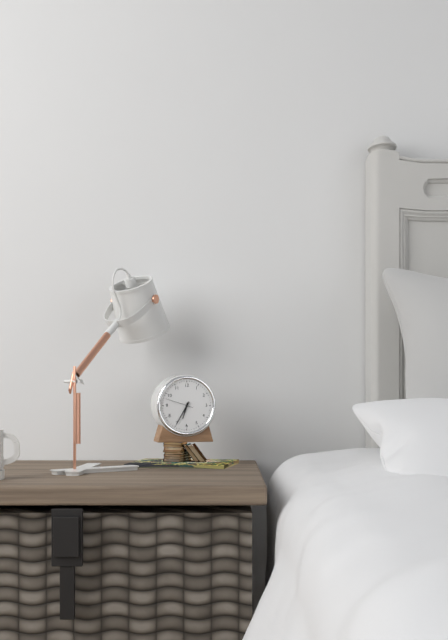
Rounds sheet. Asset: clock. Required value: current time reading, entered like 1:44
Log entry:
6:35
